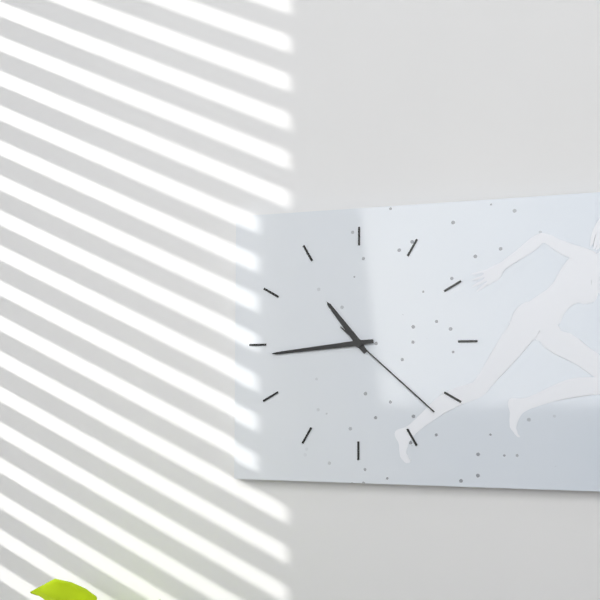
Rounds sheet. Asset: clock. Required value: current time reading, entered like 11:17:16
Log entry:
10:44:22
